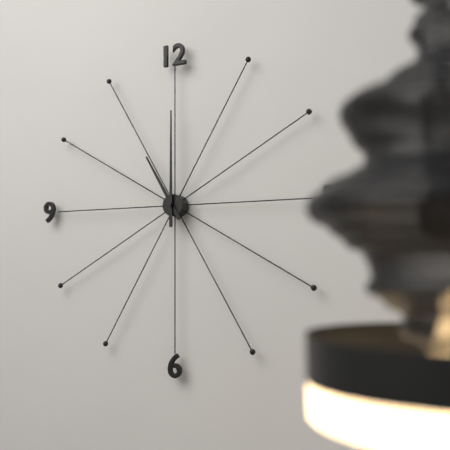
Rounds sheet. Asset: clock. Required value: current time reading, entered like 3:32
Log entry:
11:00
